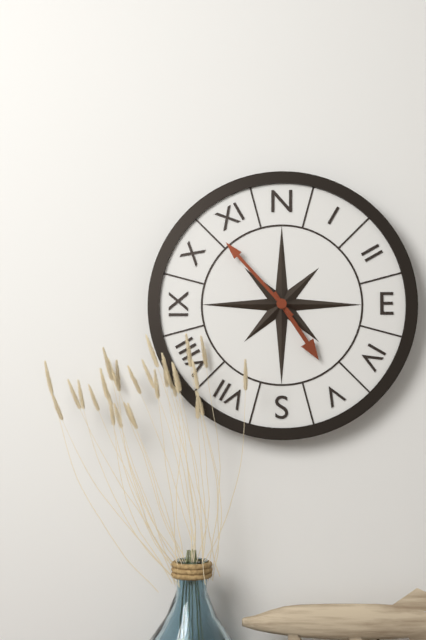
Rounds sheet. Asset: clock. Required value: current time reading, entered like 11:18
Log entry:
4:53
